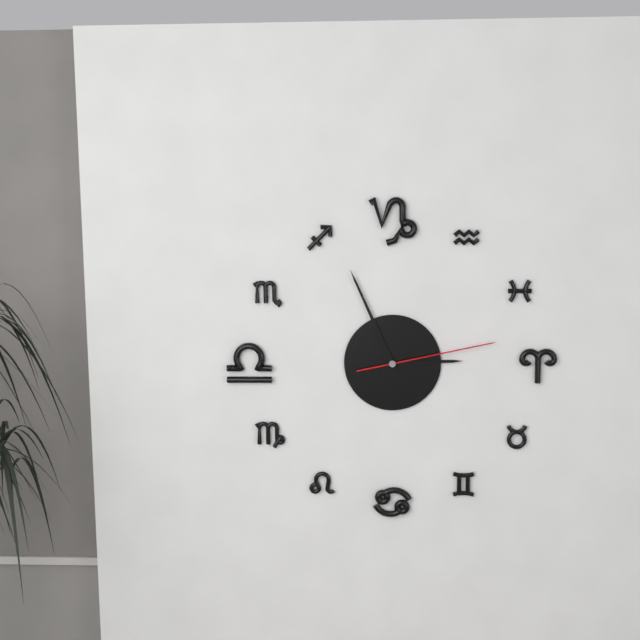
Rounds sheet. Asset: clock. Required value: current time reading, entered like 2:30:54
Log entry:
2:56:13
